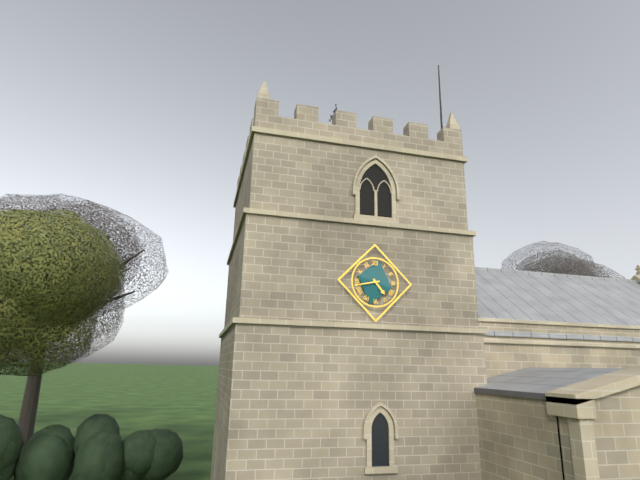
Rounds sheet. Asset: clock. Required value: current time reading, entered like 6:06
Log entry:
4:43
